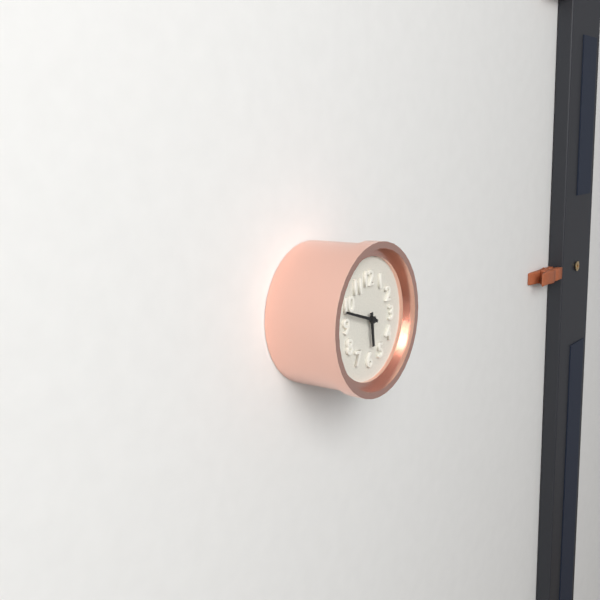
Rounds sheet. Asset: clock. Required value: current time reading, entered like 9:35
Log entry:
5:48
